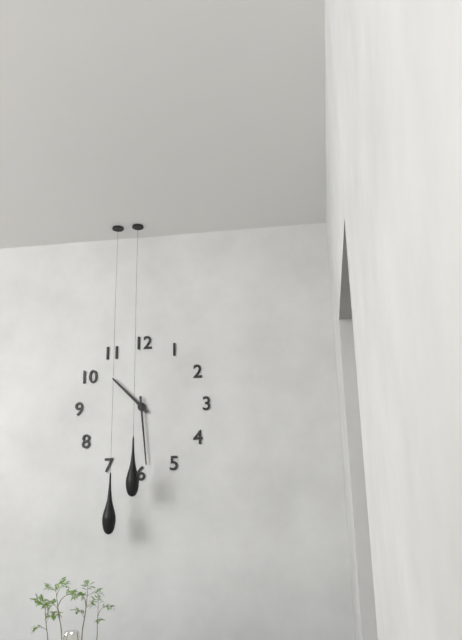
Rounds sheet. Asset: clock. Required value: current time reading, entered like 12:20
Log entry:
10:29
